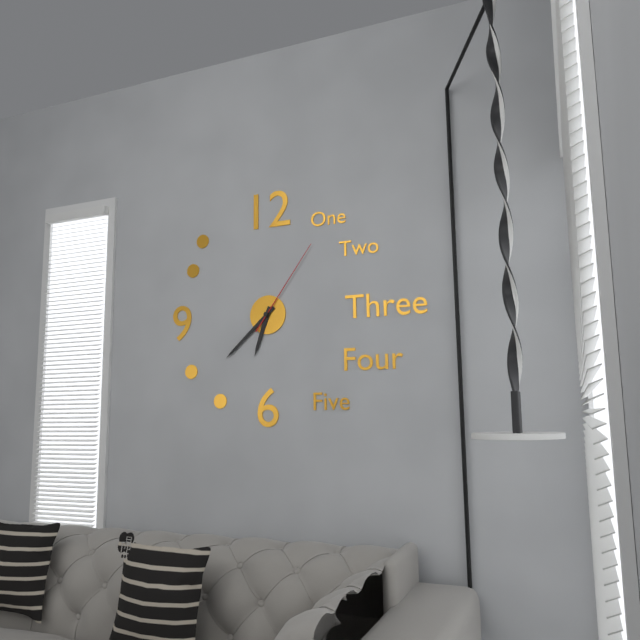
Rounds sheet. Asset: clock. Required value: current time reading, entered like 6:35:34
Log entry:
6:38:06
